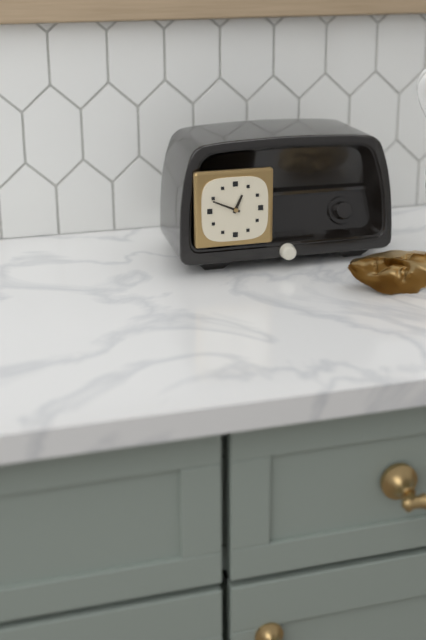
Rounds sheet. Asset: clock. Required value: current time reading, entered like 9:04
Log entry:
12:49
